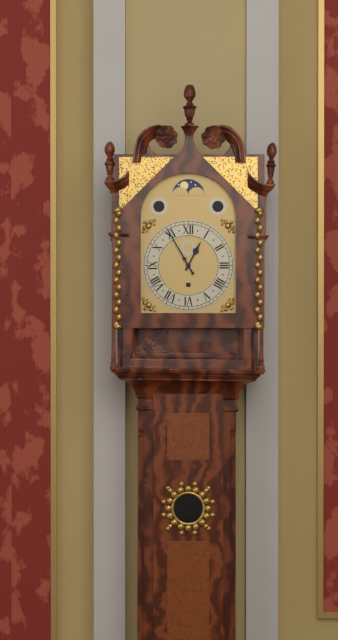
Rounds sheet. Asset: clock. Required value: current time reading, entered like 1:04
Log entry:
12:55
